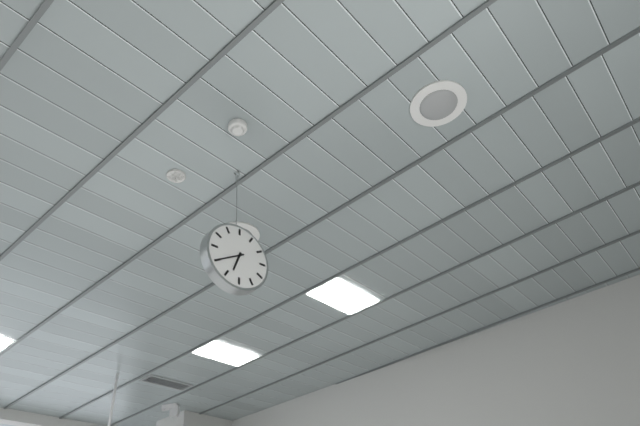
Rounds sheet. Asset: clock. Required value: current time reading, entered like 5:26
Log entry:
6:40
